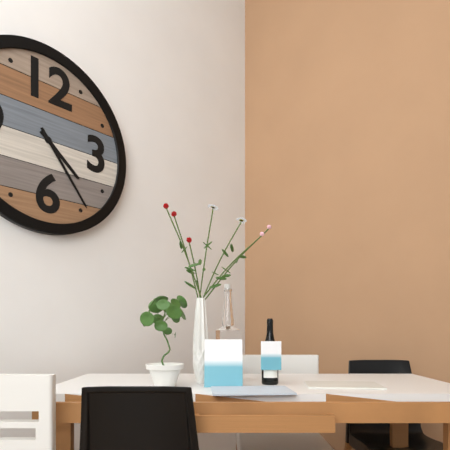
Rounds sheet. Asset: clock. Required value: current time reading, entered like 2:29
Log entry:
4:24
